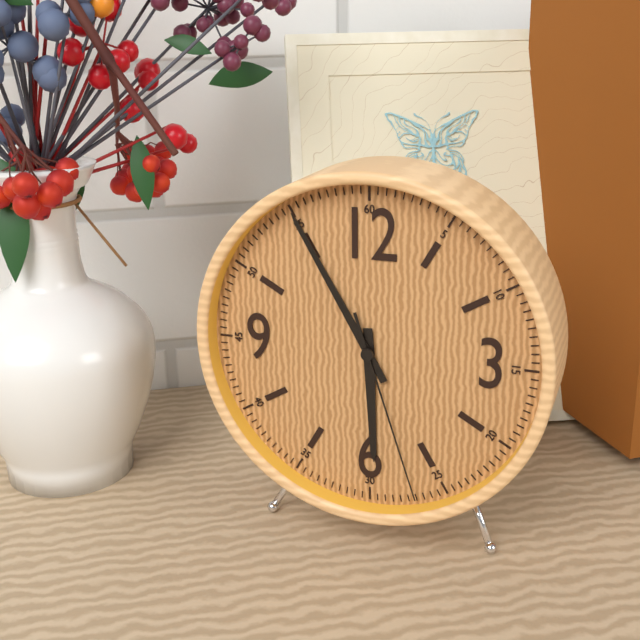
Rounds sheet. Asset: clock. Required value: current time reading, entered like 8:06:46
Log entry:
5:55:27
